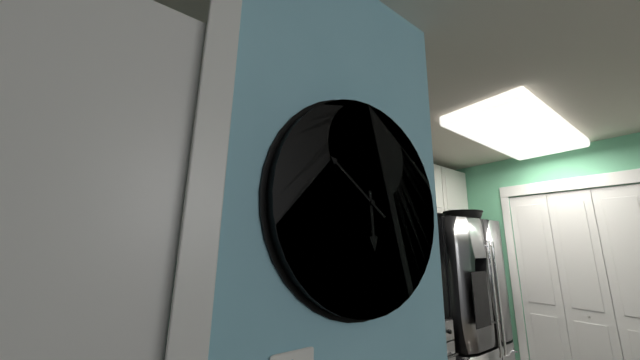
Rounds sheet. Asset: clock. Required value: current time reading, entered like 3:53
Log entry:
5:51
